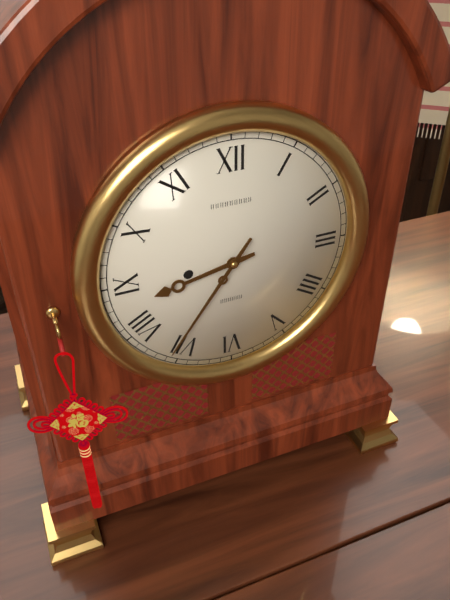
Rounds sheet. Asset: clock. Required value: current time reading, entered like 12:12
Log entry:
8:36
